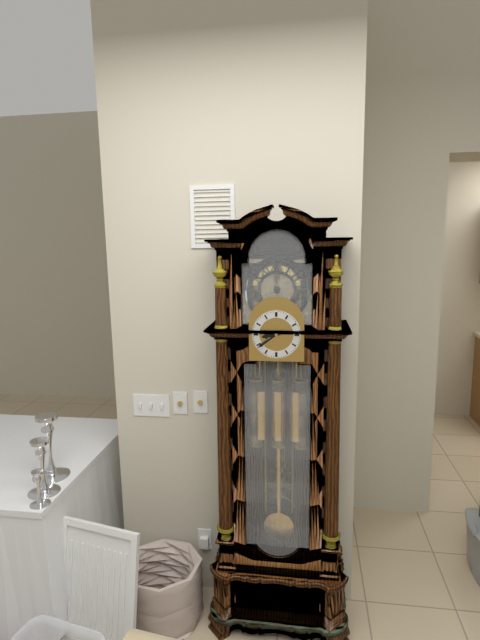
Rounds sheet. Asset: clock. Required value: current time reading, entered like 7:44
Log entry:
8:39
